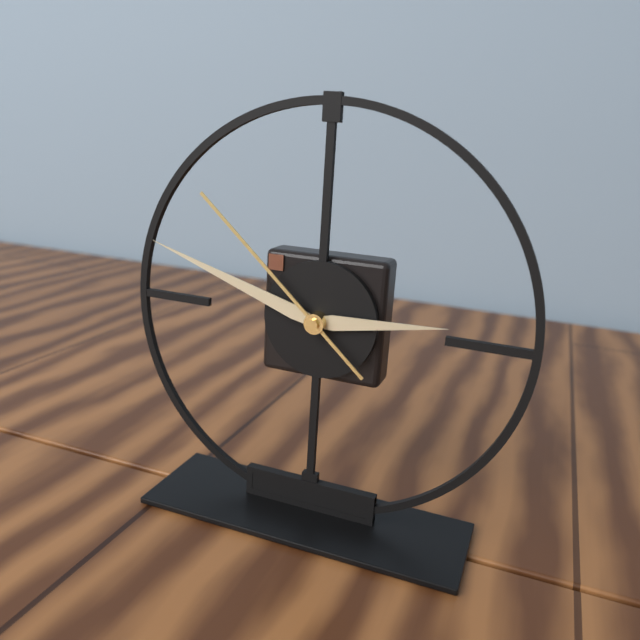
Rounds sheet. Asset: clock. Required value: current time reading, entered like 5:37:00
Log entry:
2:48:52
